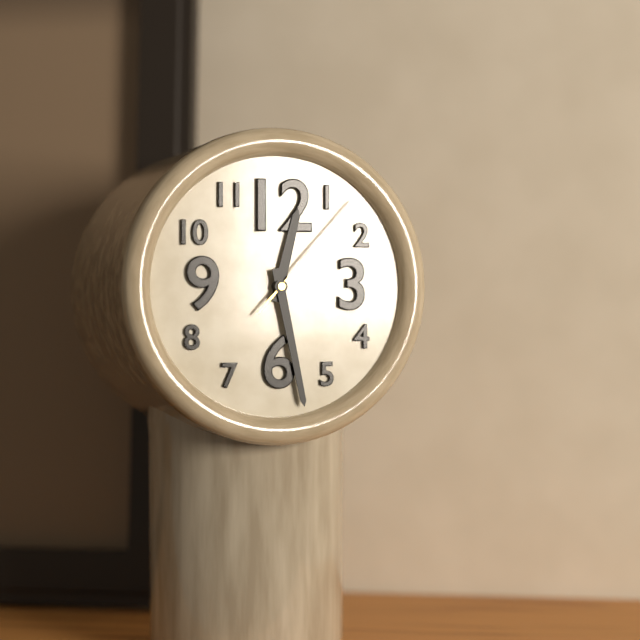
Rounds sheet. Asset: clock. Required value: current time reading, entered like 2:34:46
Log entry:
12:28:07
